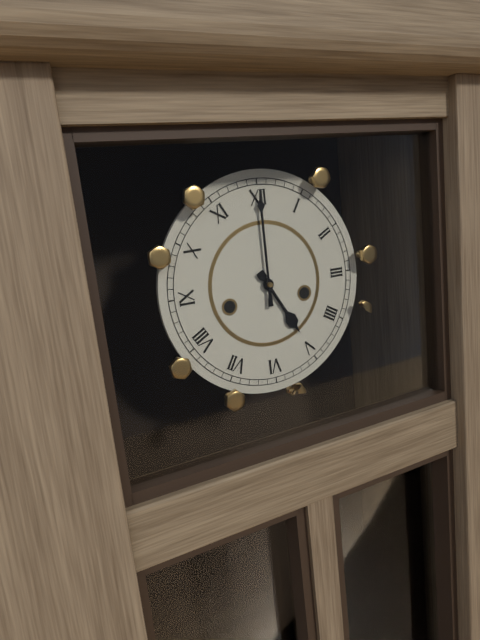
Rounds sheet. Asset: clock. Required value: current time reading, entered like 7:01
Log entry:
5:00
